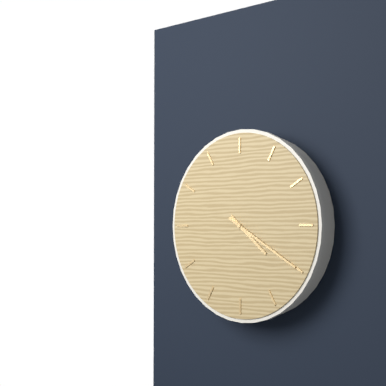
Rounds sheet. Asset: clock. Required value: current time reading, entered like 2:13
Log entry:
4:20
